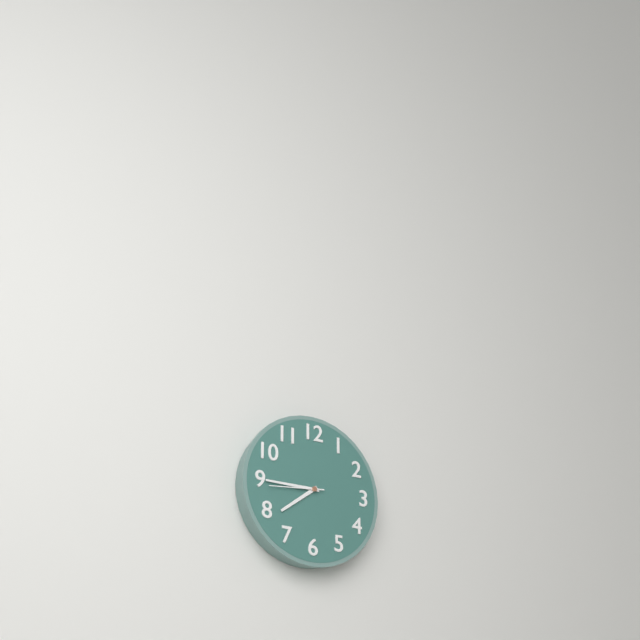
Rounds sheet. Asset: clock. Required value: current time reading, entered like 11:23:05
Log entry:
7:45:44
